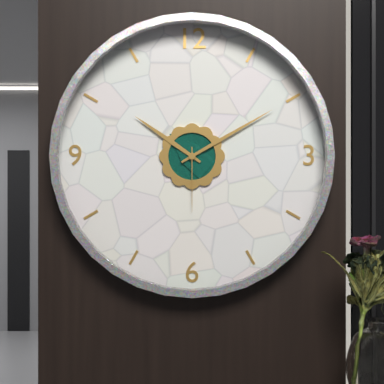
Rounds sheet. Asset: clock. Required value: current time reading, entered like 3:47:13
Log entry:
10:10:30
